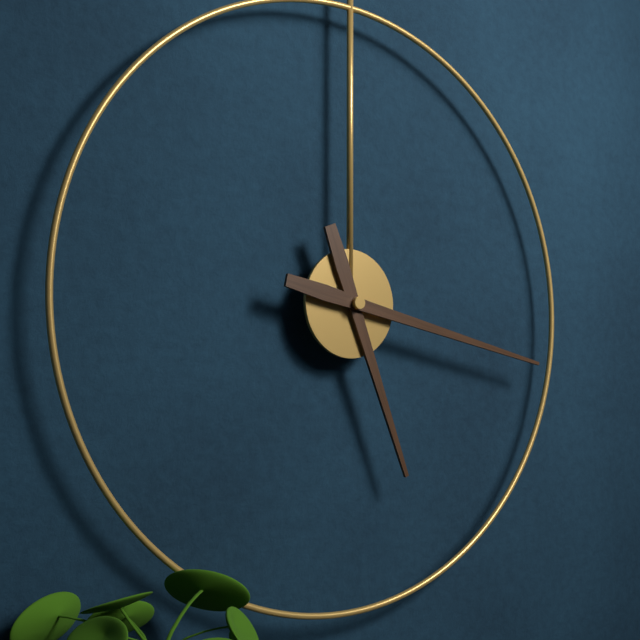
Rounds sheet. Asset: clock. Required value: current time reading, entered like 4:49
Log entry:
5:17
